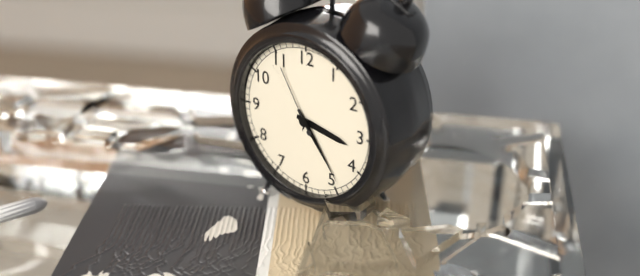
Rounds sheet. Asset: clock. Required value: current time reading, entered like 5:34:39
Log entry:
3:24:55
